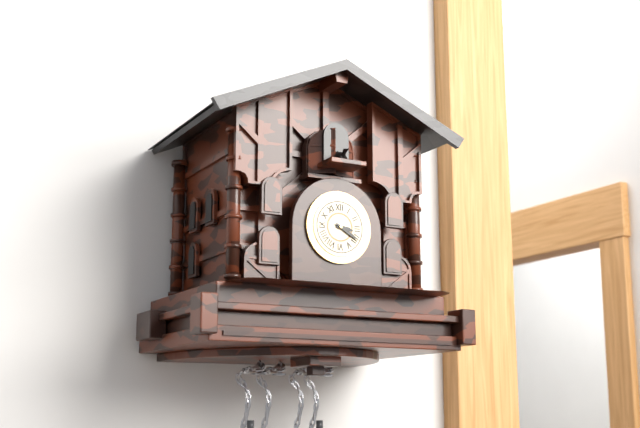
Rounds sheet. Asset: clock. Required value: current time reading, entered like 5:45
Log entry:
3:20
